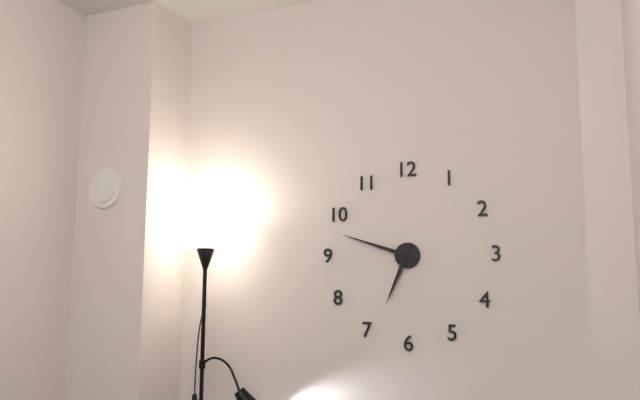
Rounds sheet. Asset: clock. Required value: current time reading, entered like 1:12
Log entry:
6:48
